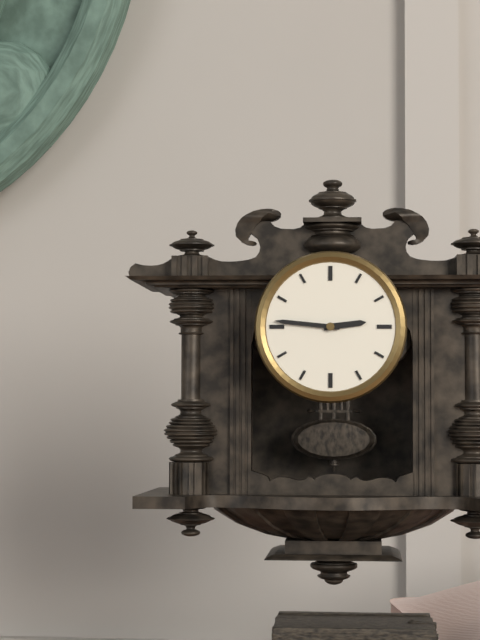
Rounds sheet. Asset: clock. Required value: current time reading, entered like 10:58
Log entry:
2:46
